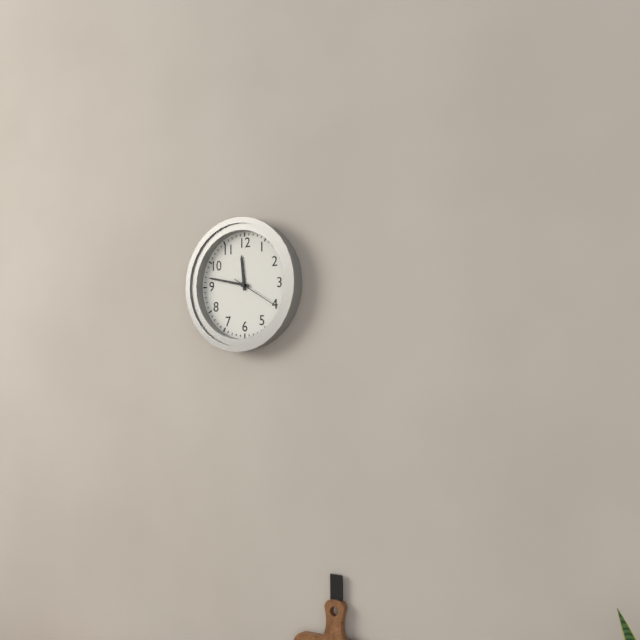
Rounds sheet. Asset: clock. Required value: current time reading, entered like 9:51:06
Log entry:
11:47:20
